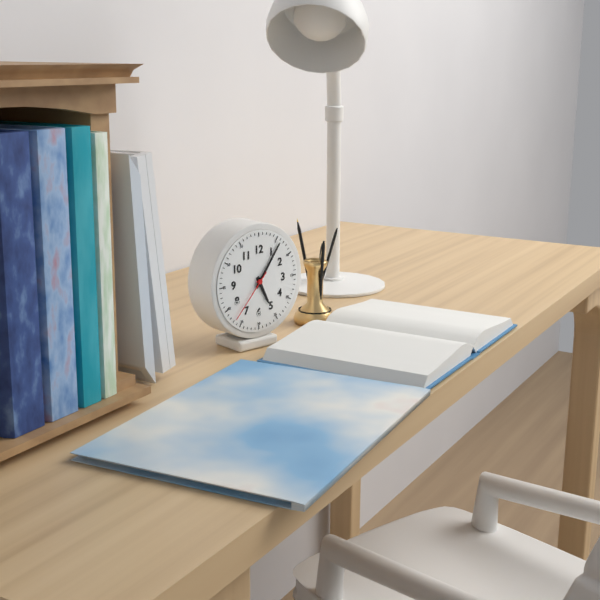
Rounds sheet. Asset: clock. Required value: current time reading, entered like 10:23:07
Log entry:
5:06:37
